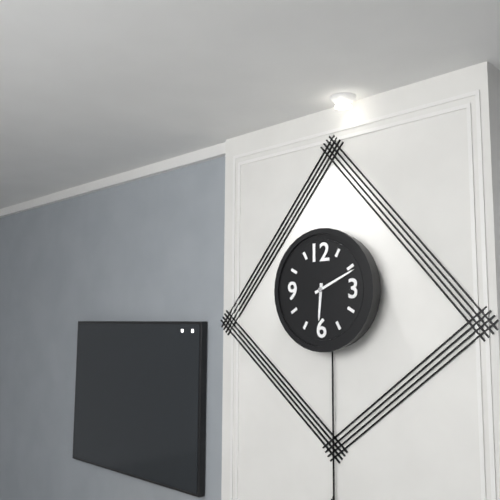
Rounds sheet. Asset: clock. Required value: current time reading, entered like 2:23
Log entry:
6:11
